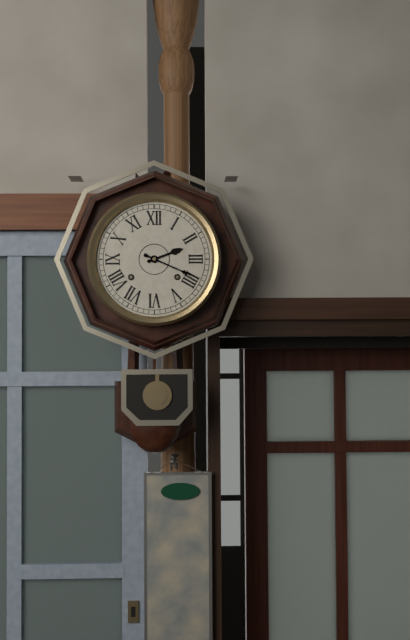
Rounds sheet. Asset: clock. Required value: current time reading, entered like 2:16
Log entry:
2:19
